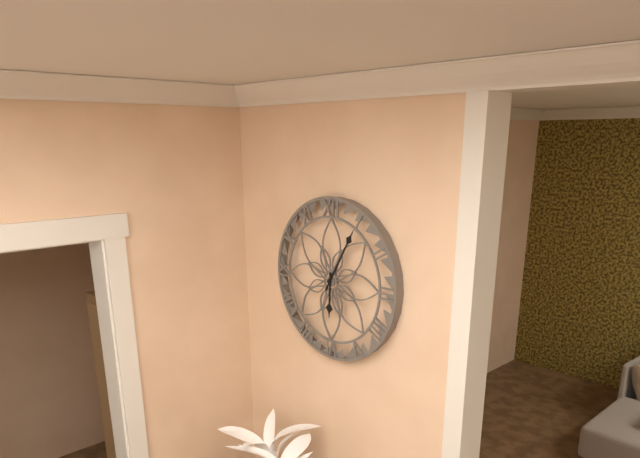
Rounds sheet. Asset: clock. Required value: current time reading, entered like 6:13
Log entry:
6:05
